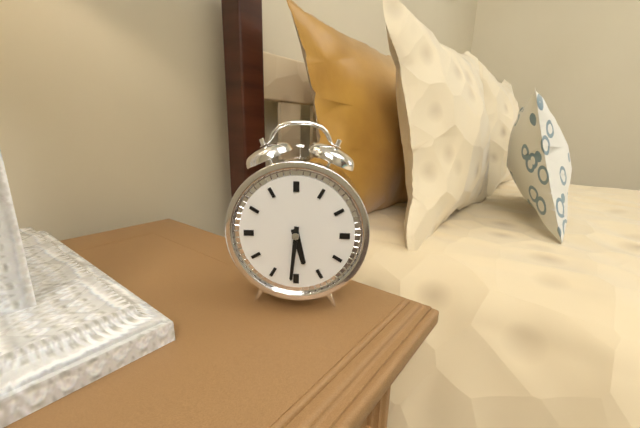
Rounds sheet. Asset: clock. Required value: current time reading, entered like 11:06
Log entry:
5:31
